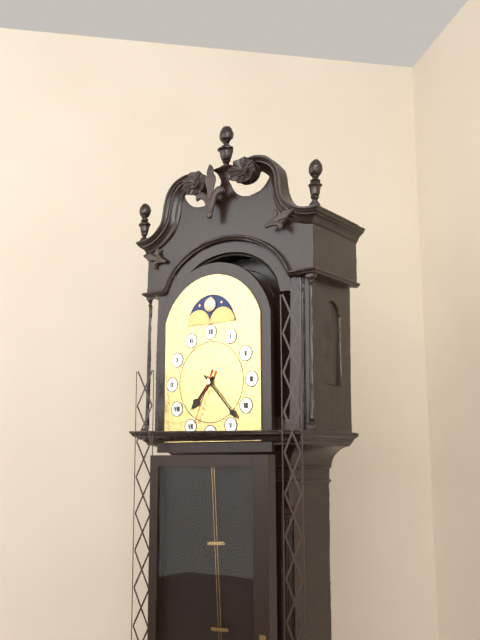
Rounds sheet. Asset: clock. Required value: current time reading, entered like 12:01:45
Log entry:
7:23:34
